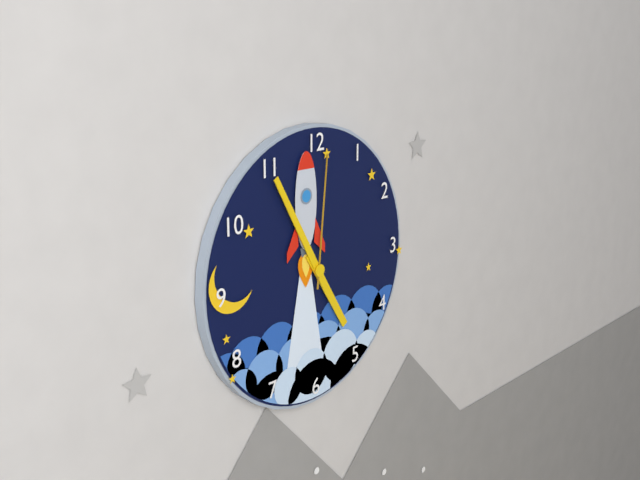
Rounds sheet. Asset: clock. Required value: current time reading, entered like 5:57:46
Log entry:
4:55:01
